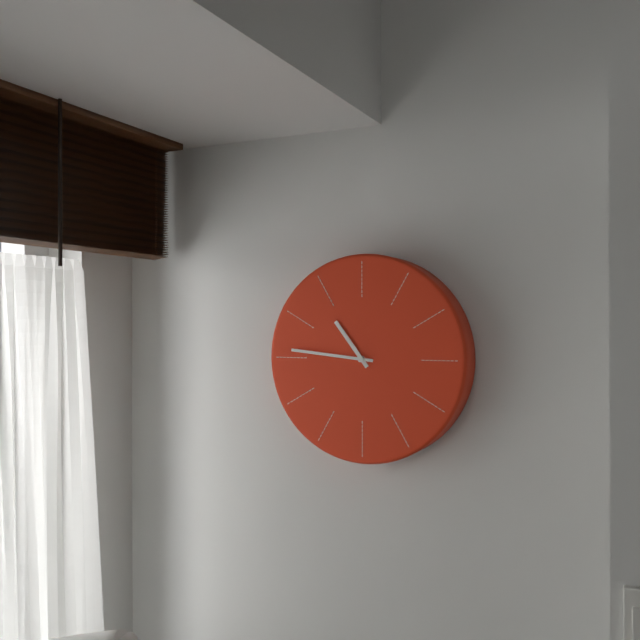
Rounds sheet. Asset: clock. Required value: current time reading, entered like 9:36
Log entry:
10:46
